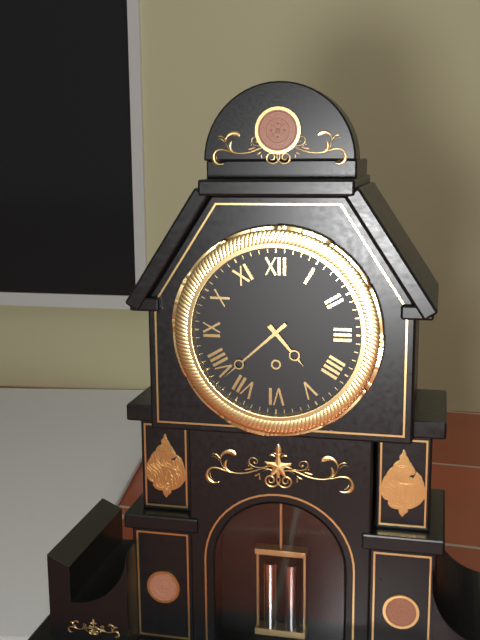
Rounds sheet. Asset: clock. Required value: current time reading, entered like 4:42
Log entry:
4:38
